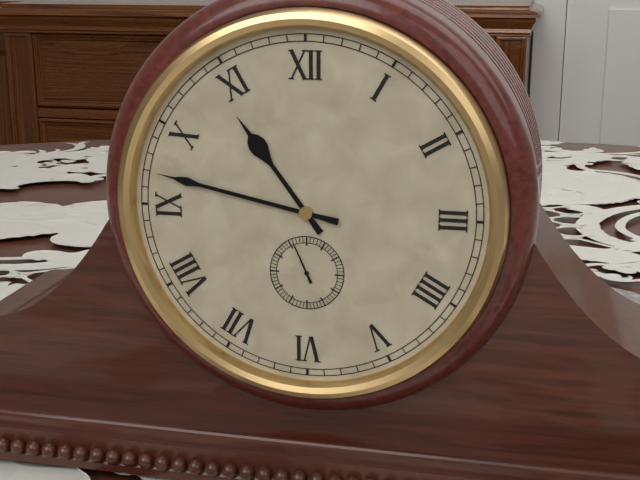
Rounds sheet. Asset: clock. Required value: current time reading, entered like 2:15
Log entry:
10:47
